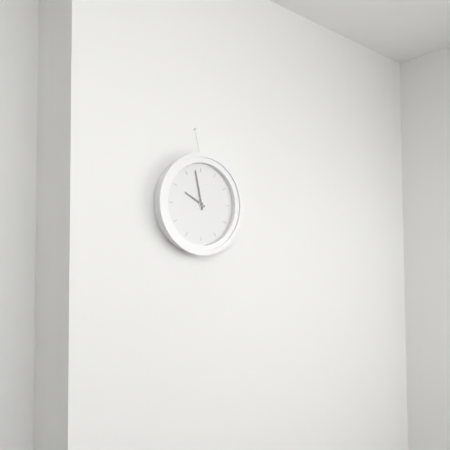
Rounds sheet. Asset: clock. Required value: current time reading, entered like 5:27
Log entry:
9:58
